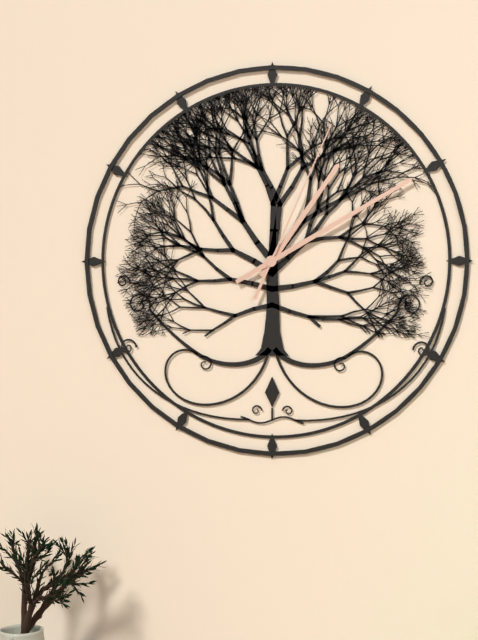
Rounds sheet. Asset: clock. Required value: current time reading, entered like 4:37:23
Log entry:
1:10:04
